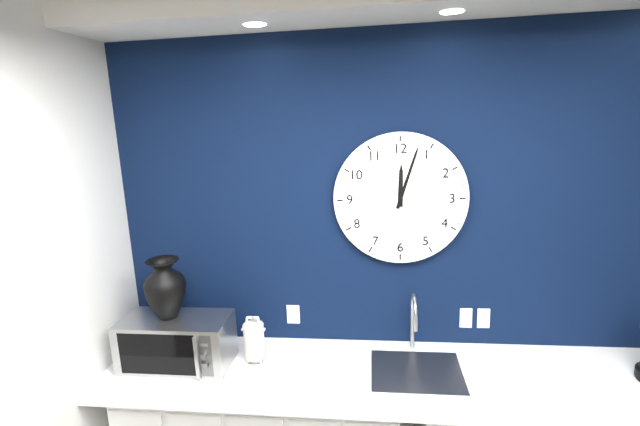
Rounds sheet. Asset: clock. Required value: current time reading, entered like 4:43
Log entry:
12:03
